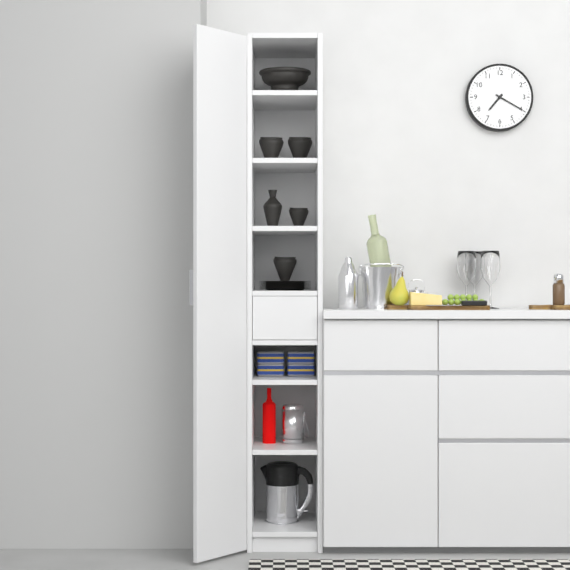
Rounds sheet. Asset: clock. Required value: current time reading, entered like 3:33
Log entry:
7:20
